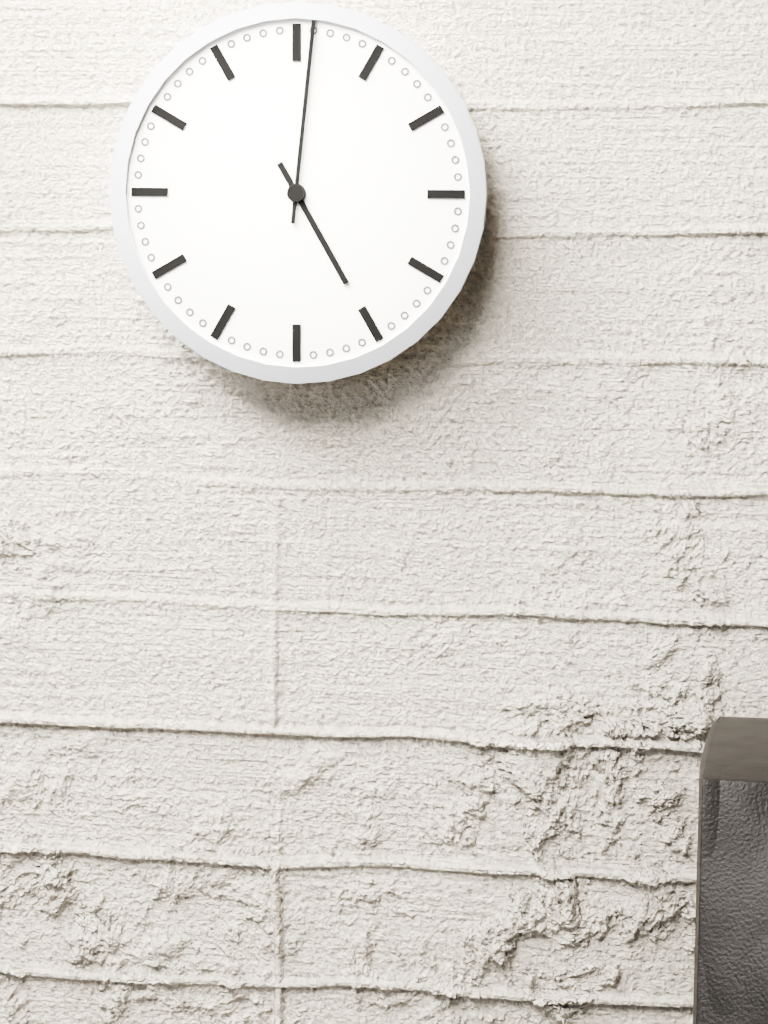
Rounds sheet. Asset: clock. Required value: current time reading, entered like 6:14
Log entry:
5:01
